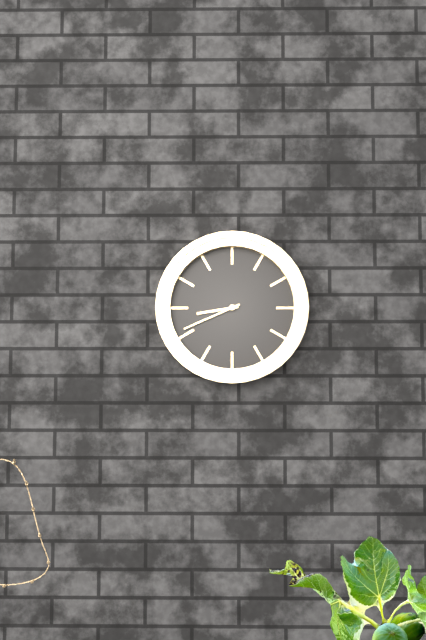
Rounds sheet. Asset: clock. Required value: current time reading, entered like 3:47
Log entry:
8:41
